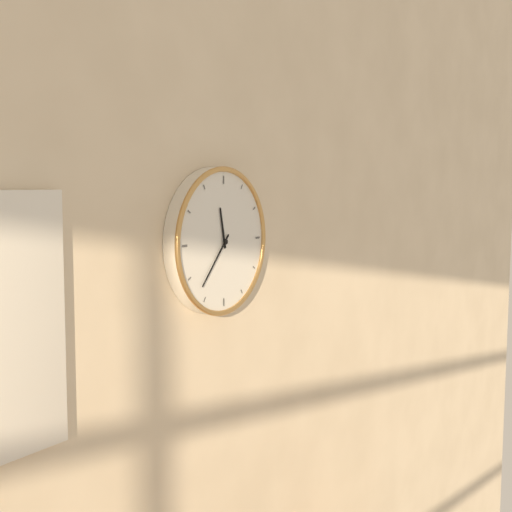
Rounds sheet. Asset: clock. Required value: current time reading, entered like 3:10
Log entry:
11:37
